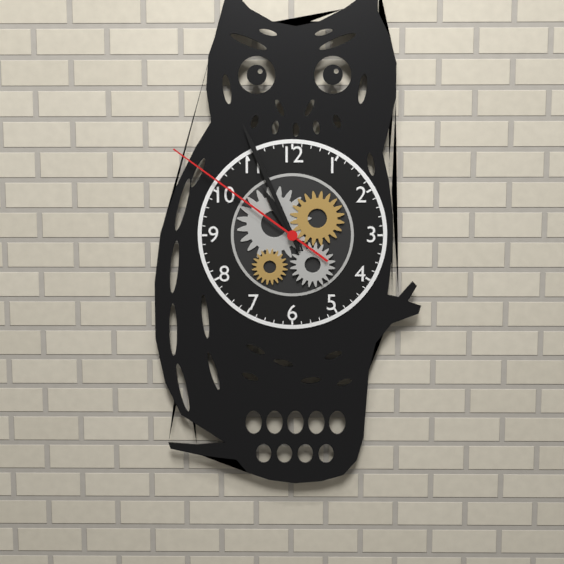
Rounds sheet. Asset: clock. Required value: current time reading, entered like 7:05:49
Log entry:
10:56:51
